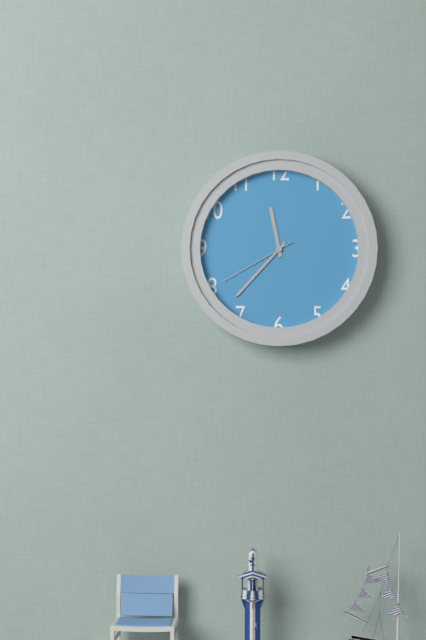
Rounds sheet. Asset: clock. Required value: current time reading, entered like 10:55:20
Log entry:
11:37:40
